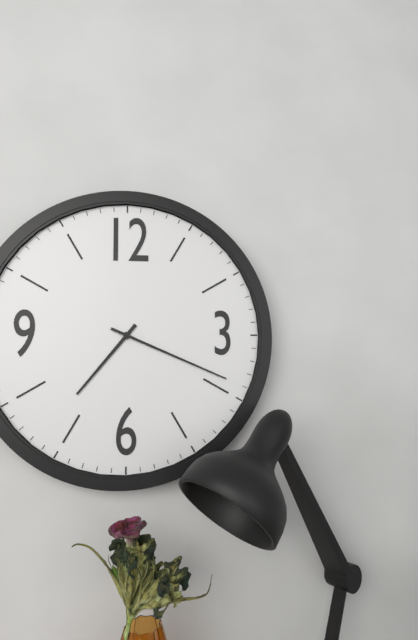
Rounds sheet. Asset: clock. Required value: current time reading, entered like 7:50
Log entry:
7:19
